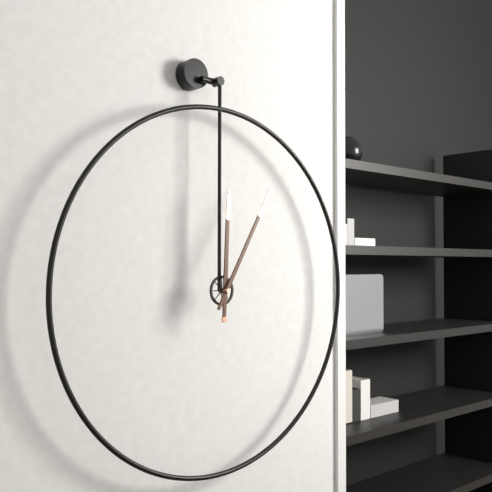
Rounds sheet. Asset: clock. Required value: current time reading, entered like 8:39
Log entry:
12:05
